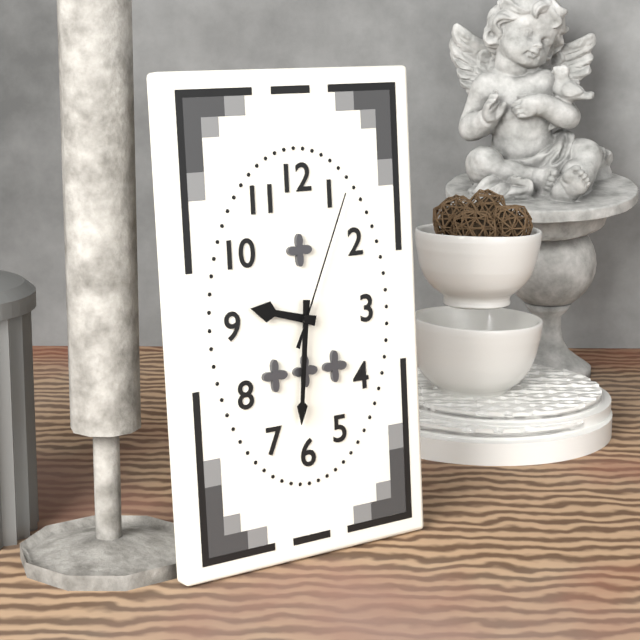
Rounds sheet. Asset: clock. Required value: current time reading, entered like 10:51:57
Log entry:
9:31:04
